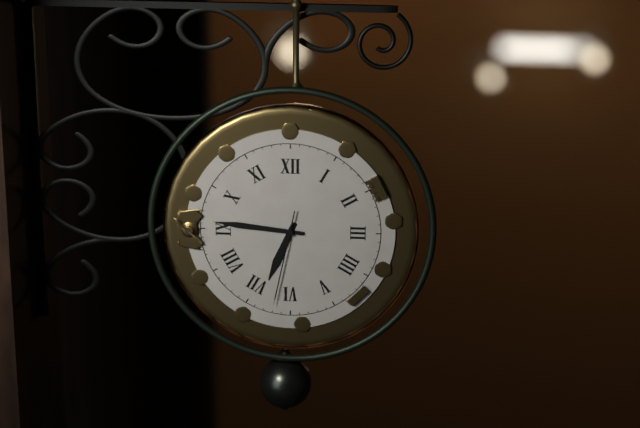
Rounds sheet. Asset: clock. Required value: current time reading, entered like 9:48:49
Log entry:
6:46:32
